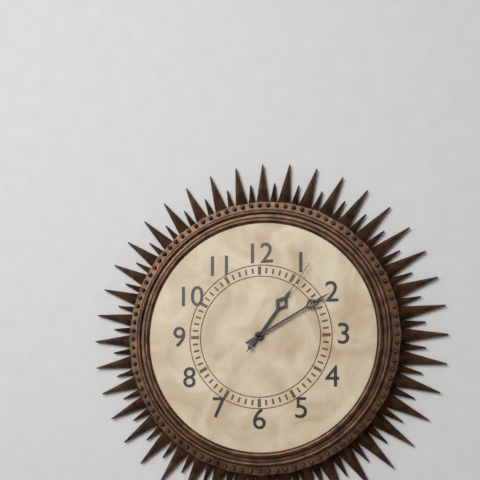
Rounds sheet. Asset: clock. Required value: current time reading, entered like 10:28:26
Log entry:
1:10:06
